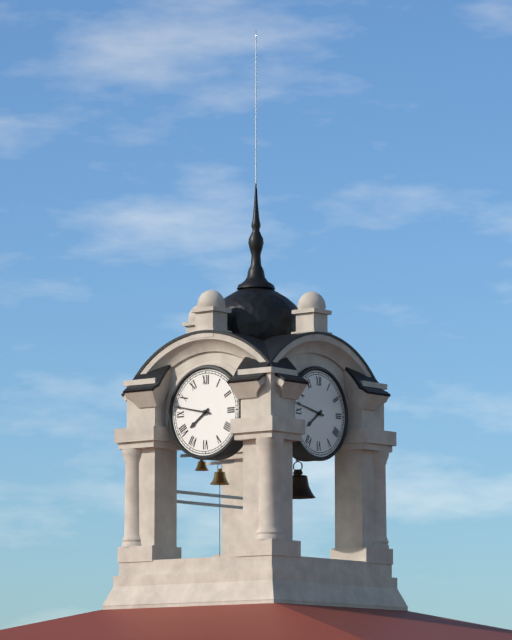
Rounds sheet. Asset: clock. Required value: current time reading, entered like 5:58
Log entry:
7:47
